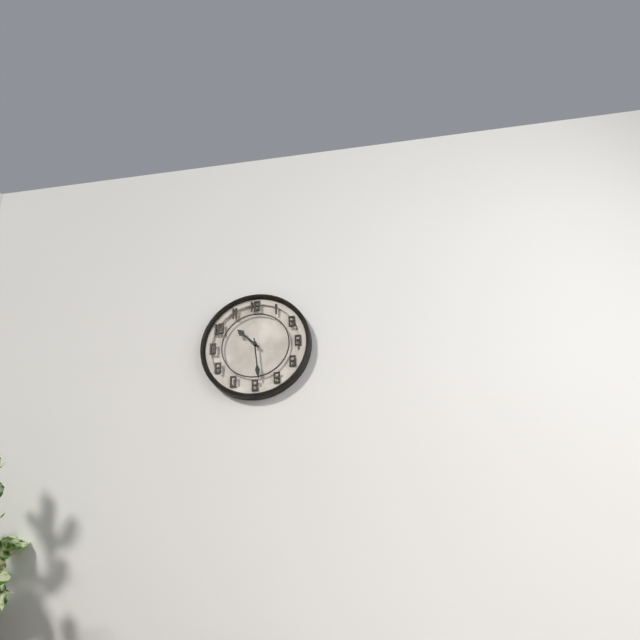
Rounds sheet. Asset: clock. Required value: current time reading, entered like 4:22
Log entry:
10:29
